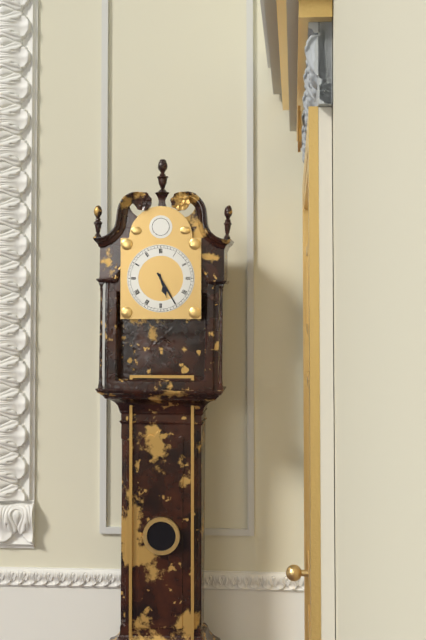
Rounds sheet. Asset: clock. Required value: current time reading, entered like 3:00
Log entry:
5:25
